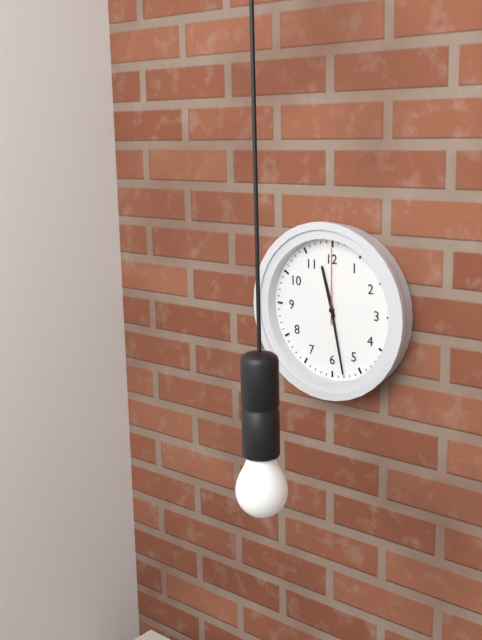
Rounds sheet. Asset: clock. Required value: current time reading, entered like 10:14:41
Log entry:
11:28:00
